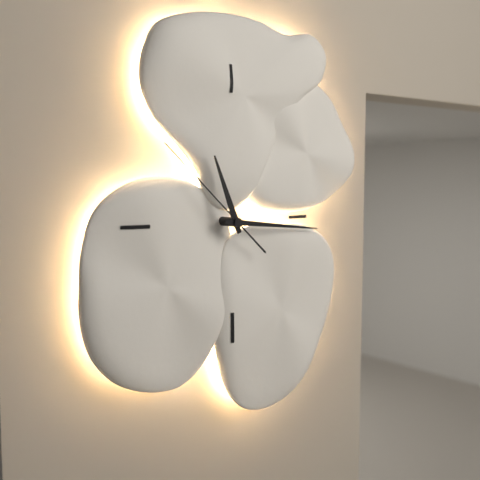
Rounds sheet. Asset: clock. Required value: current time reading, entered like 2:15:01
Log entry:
11:16:52
